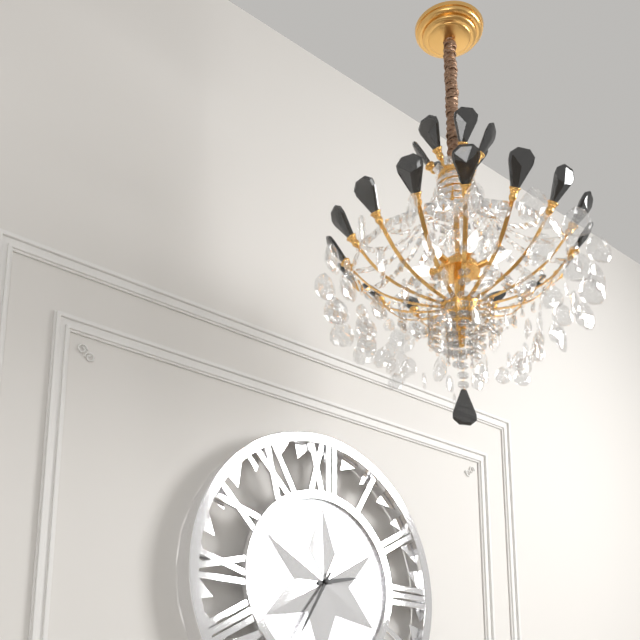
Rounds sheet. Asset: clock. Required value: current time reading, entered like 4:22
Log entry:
2:35
